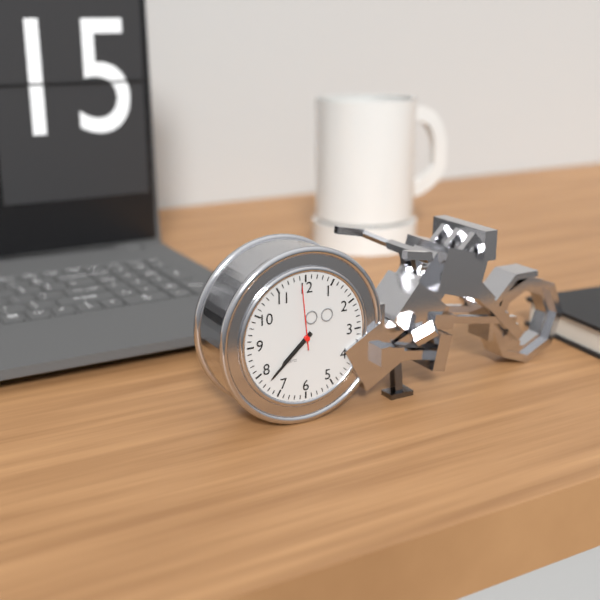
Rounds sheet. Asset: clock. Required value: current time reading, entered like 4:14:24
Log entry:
7:38:59
